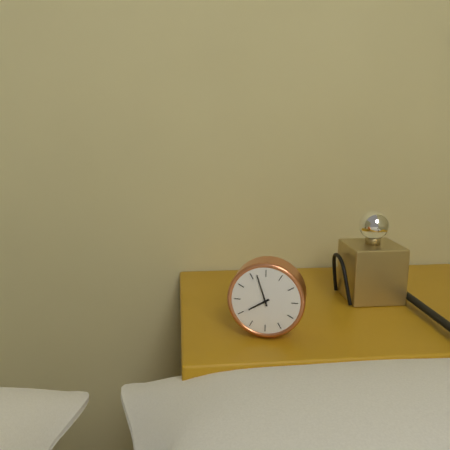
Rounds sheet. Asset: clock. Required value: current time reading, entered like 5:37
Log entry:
7:57
